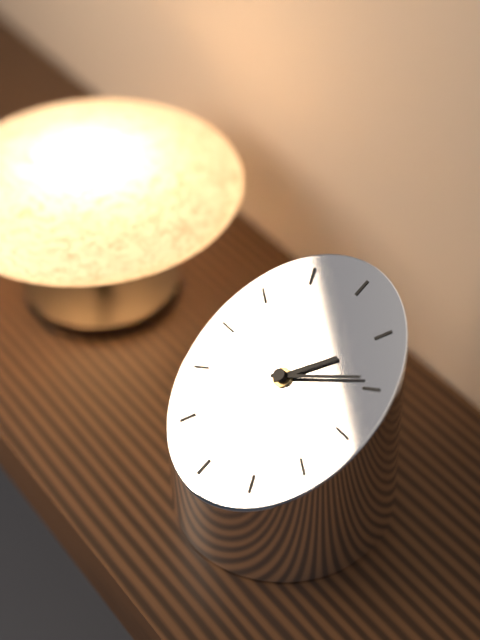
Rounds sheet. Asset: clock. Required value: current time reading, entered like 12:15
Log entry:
1:09
